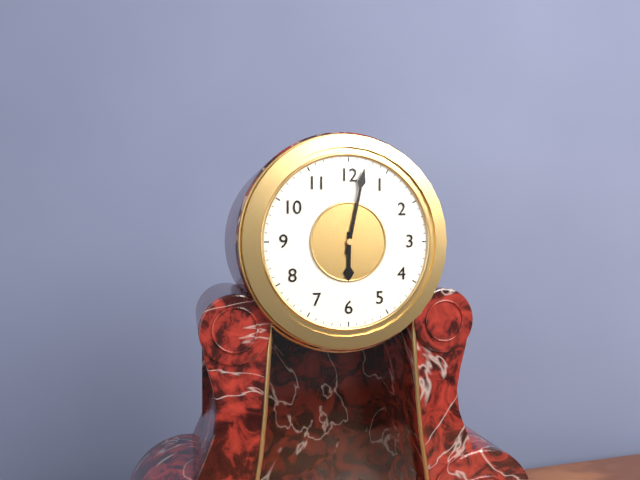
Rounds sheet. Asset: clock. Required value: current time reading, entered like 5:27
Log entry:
6:02
